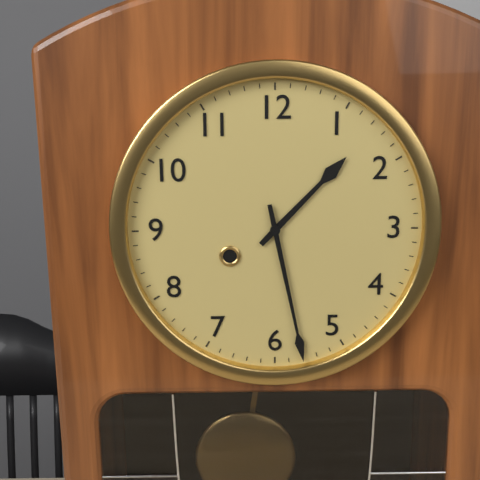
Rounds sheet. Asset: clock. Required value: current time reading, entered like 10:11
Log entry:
1:28
